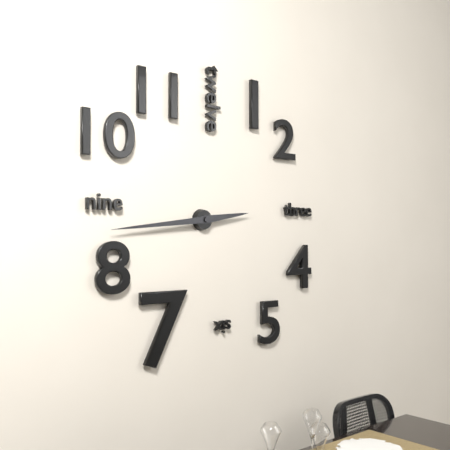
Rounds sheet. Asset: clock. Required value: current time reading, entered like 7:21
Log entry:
2:44
